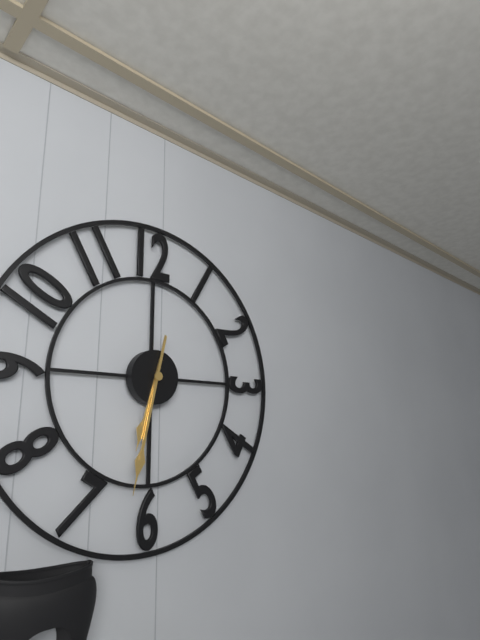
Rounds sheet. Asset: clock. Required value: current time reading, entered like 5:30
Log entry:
6:32
